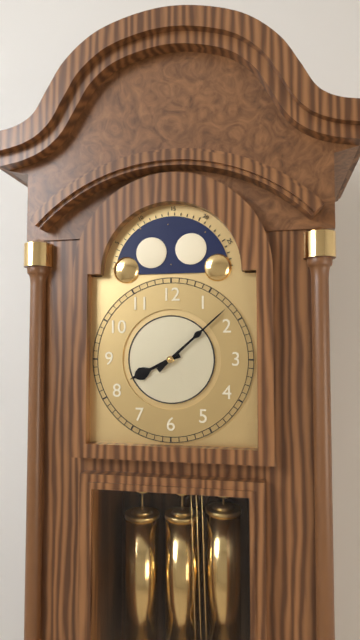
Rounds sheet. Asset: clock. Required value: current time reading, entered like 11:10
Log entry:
8:08
